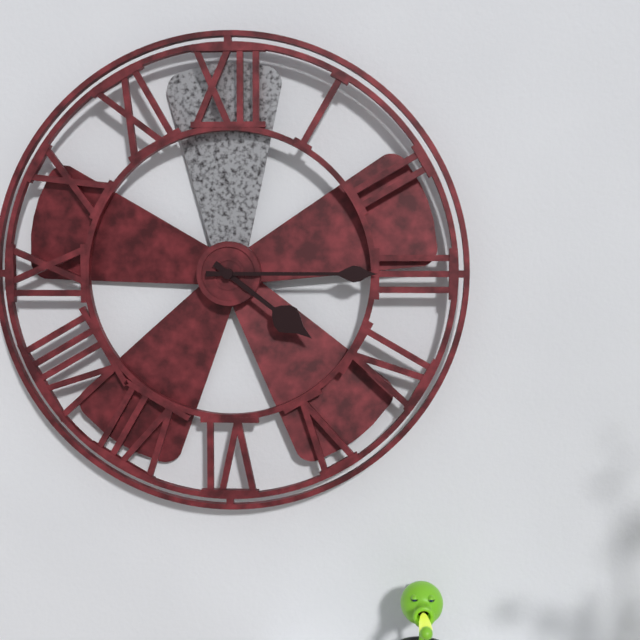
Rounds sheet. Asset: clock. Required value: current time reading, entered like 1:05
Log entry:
4:15
